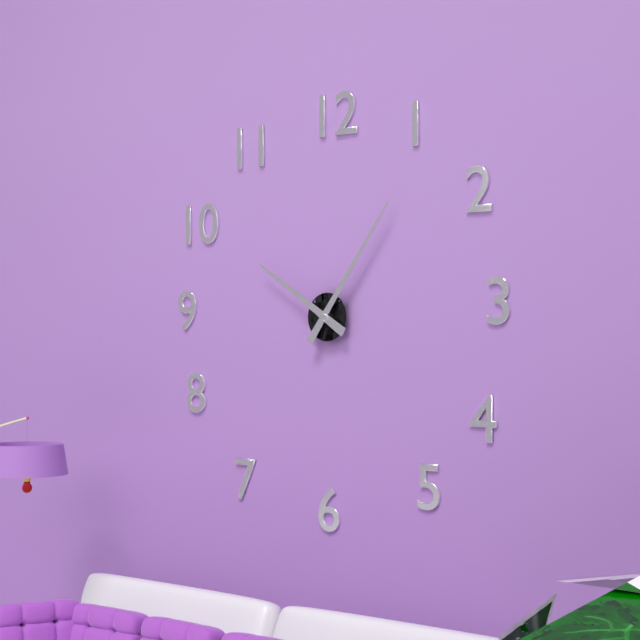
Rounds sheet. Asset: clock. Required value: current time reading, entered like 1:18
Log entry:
10:06
